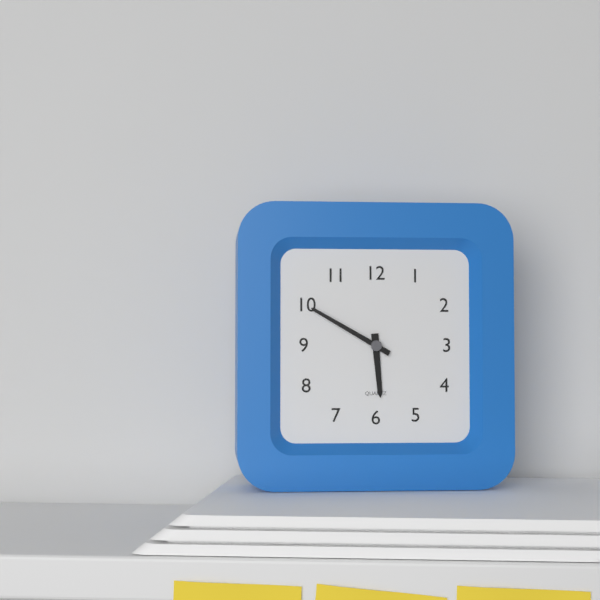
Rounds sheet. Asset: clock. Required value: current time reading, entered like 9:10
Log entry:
5:50
